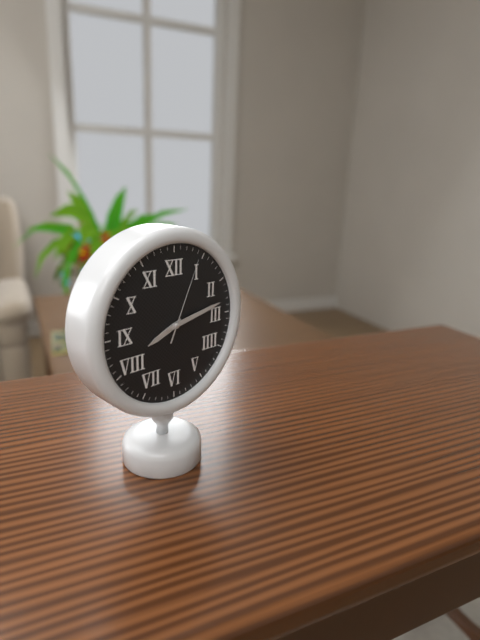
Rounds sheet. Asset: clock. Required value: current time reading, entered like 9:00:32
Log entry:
8:13:04
